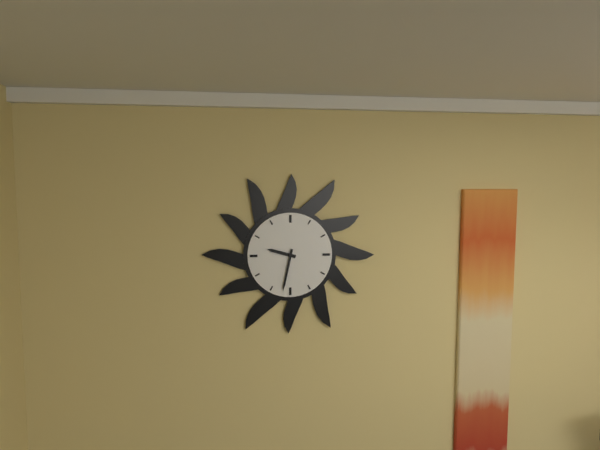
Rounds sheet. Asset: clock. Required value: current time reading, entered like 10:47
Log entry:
9:32
